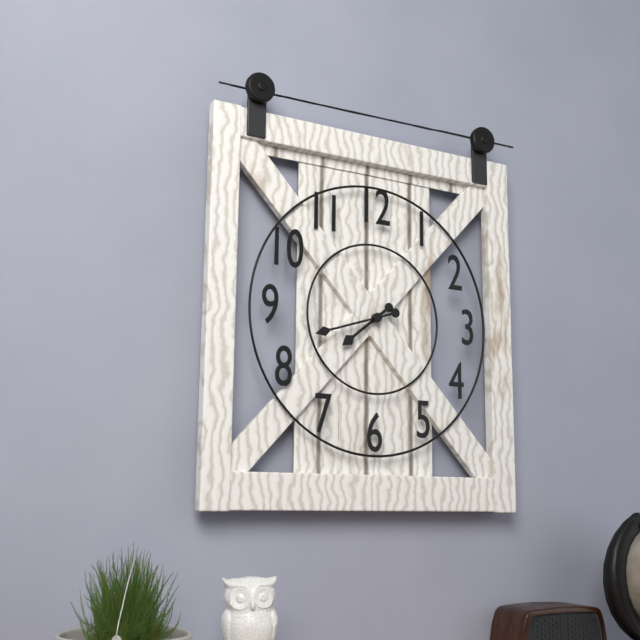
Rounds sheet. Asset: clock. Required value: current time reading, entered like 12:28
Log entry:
7:42
